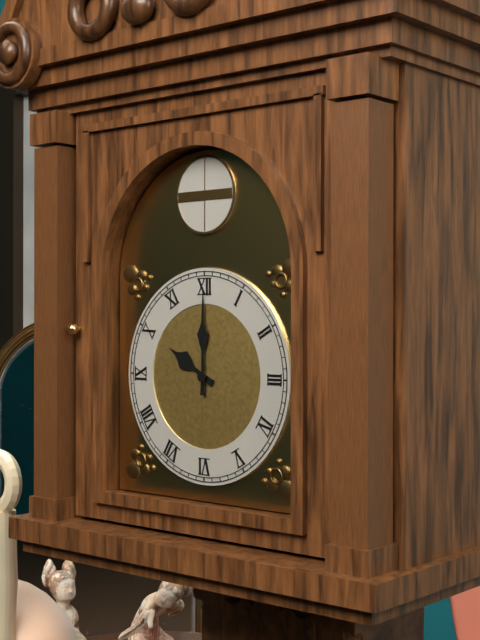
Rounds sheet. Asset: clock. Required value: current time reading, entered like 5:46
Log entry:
10:00
